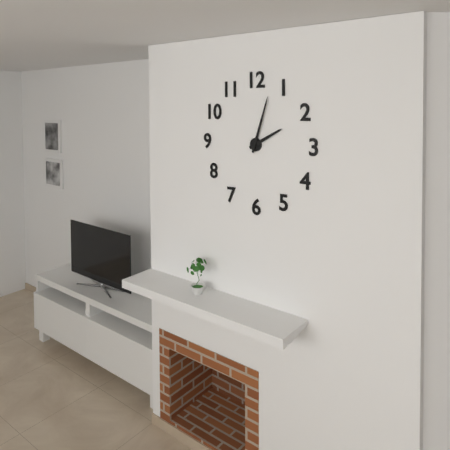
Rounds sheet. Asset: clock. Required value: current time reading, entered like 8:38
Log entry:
2:03
